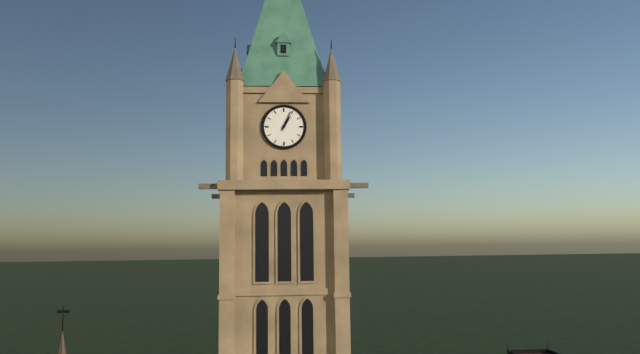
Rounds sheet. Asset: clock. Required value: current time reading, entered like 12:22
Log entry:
1:04
